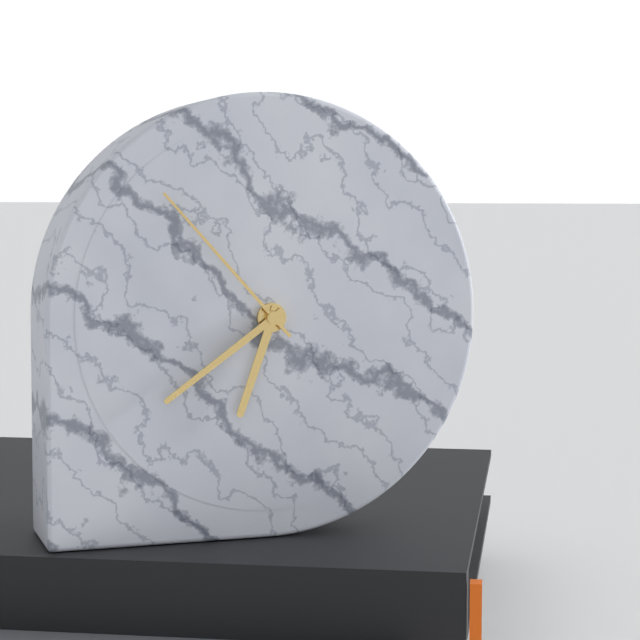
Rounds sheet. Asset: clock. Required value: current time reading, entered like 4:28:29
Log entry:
6:39:53
